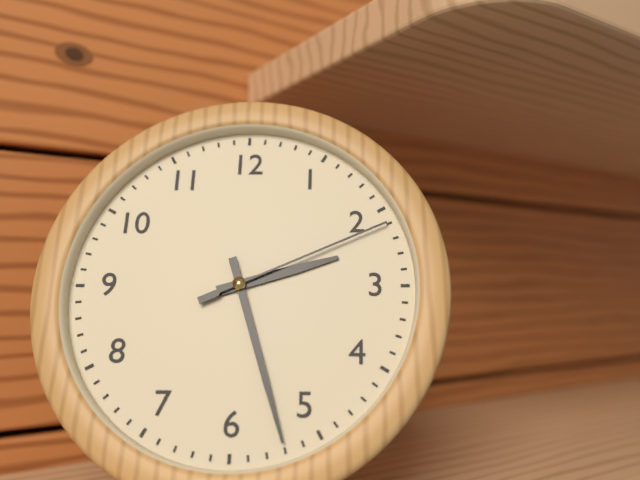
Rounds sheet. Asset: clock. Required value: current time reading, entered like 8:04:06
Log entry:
2:27:11
